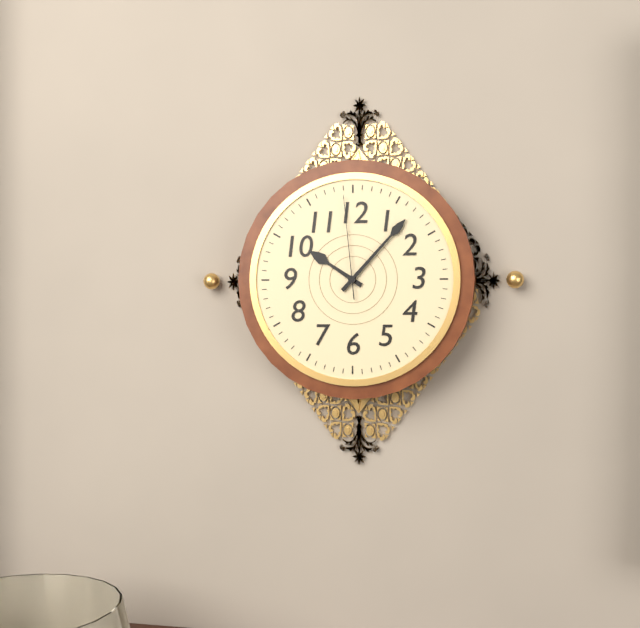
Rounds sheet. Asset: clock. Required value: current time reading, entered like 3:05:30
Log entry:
10:07:59
